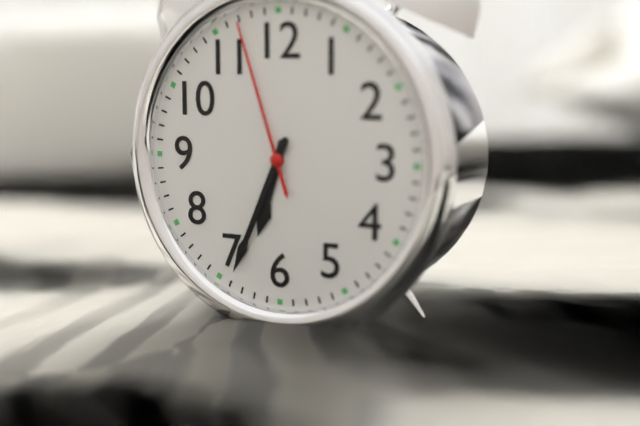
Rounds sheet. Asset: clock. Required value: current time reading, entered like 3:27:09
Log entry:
6:34:57
